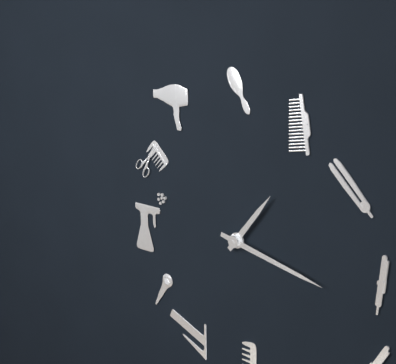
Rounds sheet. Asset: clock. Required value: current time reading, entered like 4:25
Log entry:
1:17
